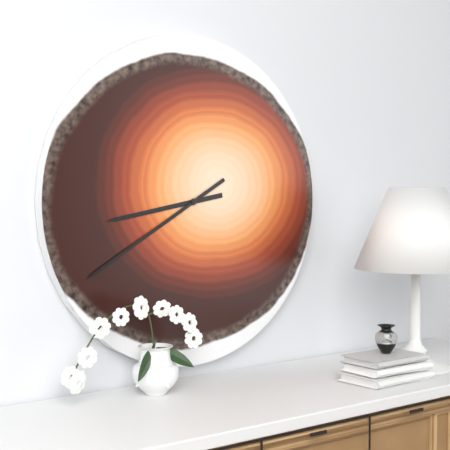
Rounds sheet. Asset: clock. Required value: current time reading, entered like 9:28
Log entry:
8:40
